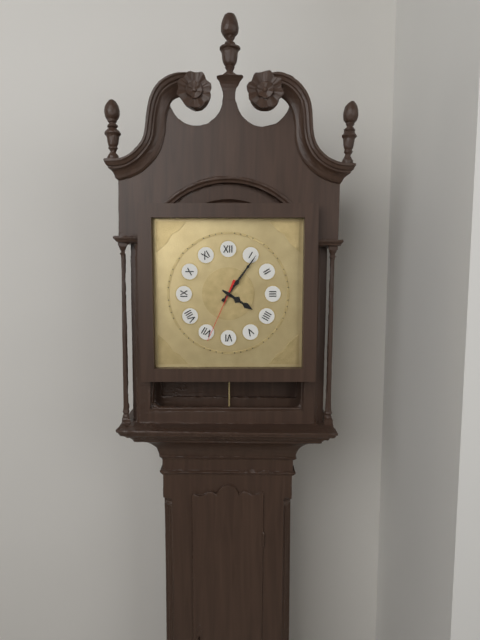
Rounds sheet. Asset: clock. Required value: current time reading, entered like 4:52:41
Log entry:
4:06:34
